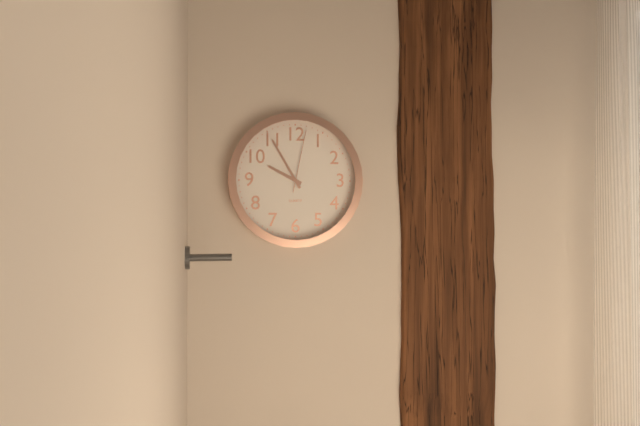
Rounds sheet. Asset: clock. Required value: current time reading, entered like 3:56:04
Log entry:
9:55:02
